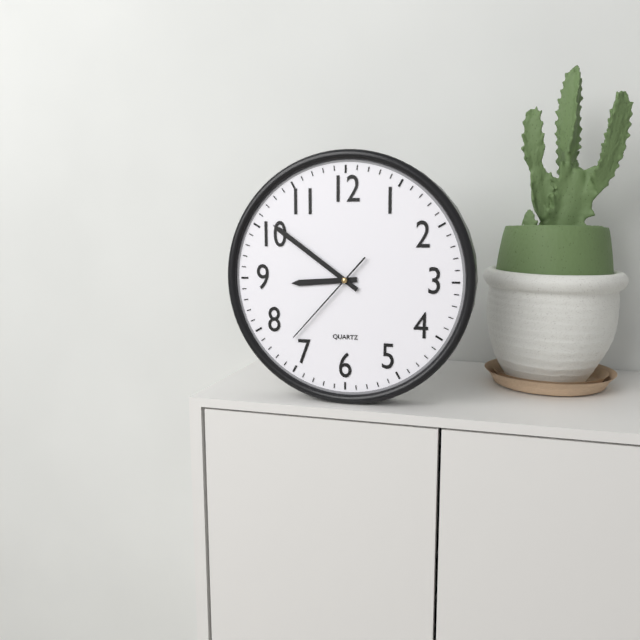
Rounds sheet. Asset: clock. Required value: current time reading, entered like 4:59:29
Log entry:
8:51:37
